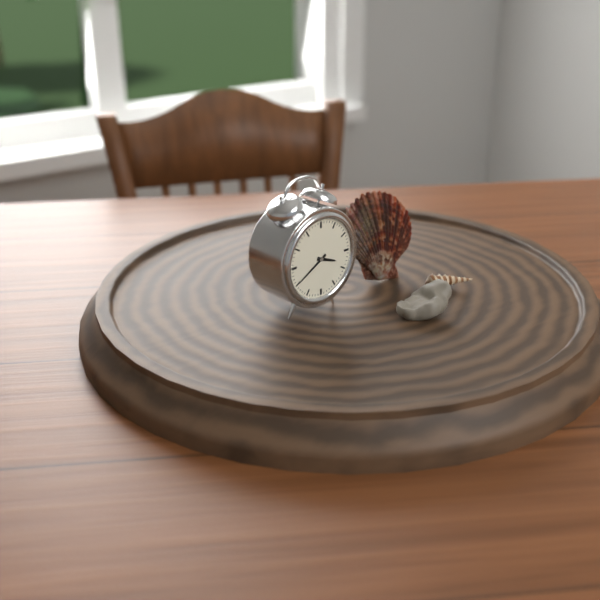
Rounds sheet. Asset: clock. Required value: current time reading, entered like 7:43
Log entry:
3:40
